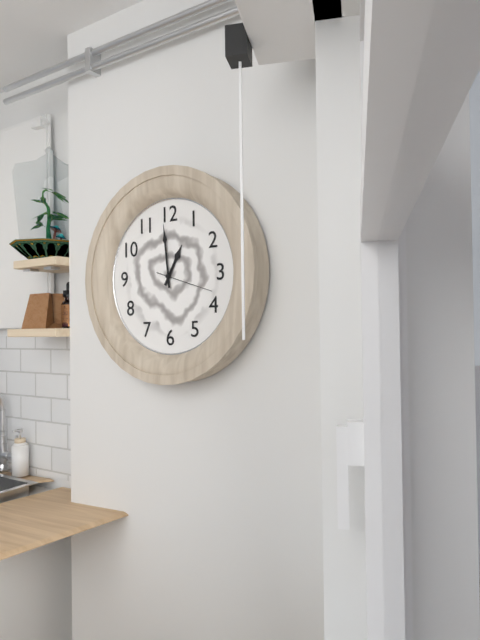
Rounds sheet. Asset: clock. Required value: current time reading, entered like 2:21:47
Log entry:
12:59:18
